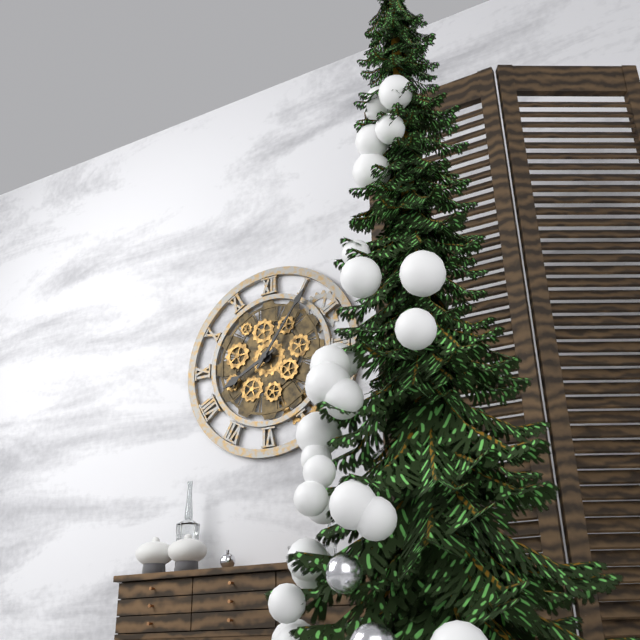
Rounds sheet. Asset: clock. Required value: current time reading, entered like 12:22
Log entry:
8:06
